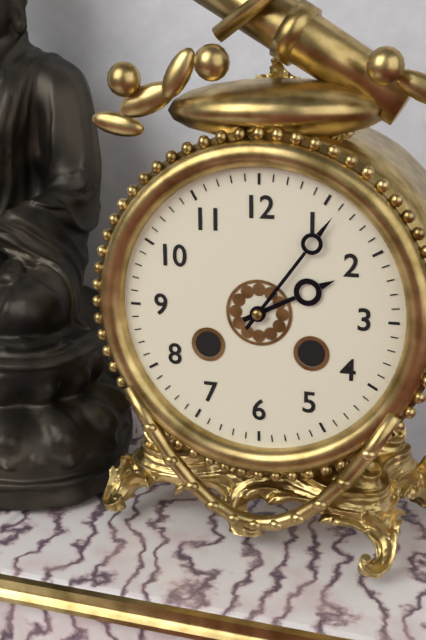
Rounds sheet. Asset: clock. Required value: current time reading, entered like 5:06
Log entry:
2:06
